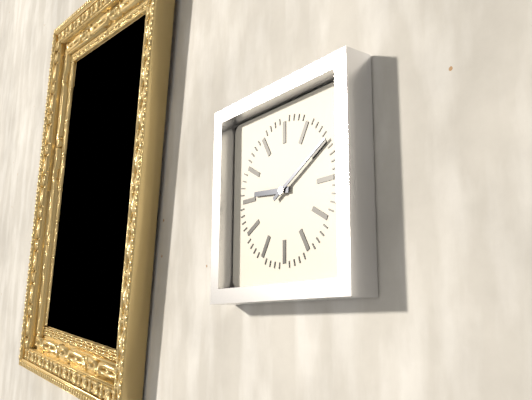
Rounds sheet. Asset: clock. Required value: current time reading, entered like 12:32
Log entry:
9:10
